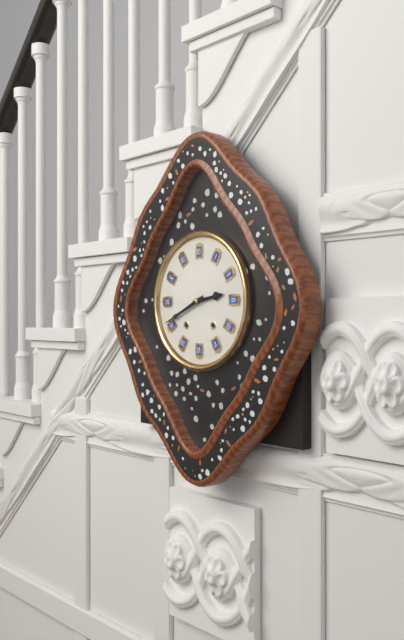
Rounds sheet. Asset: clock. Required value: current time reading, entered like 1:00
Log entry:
2:41
